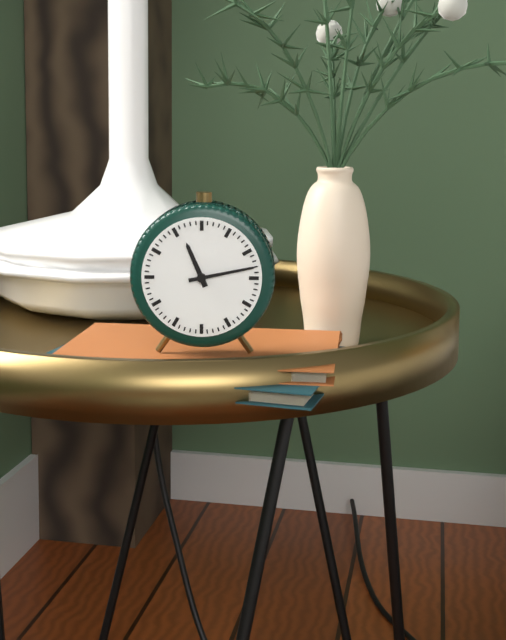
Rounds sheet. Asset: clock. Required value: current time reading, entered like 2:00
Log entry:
11:13
